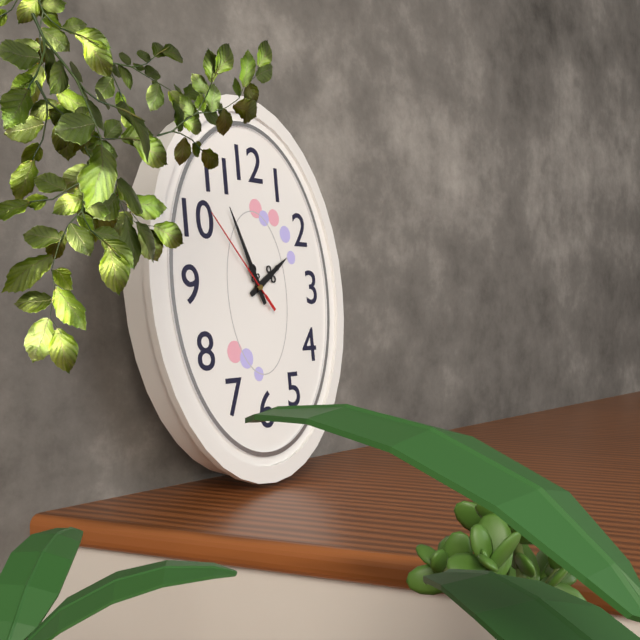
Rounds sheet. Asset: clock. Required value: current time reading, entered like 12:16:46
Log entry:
1:56:53
